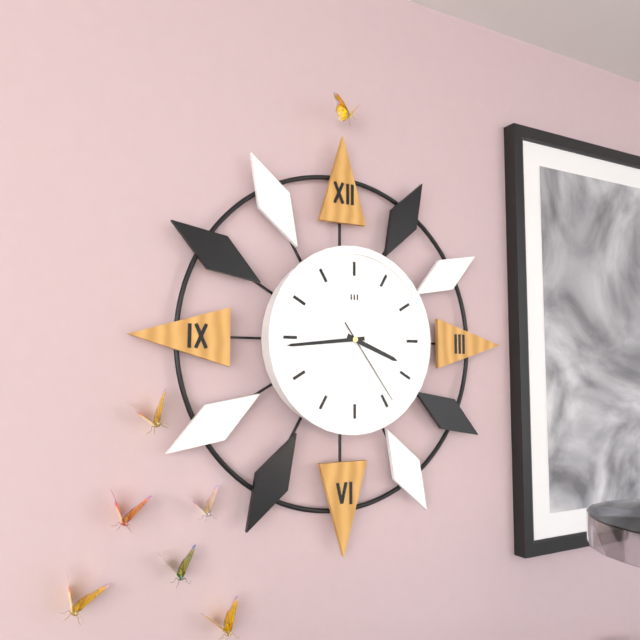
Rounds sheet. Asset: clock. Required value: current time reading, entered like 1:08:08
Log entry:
3:44:24
